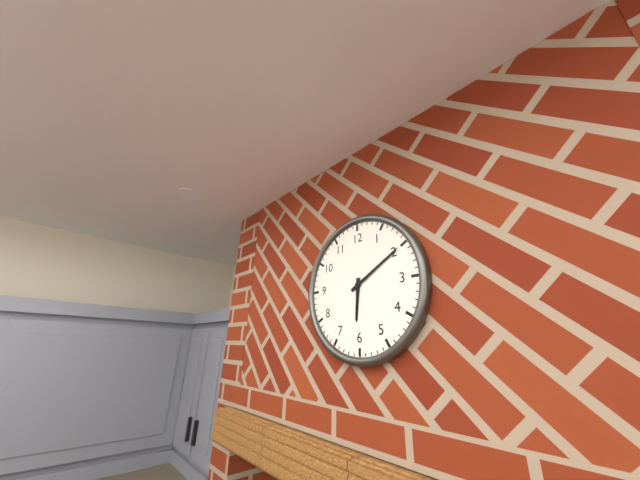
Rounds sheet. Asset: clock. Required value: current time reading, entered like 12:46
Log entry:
6:10
